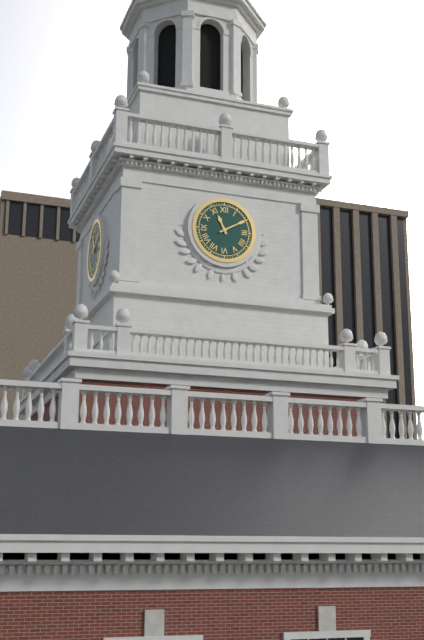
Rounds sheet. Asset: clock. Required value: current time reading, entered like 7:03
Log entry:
11:10
